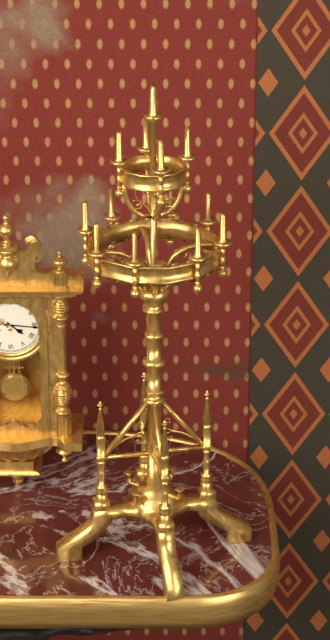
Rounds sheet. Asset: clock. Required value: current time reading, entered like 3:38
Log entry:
4:16
